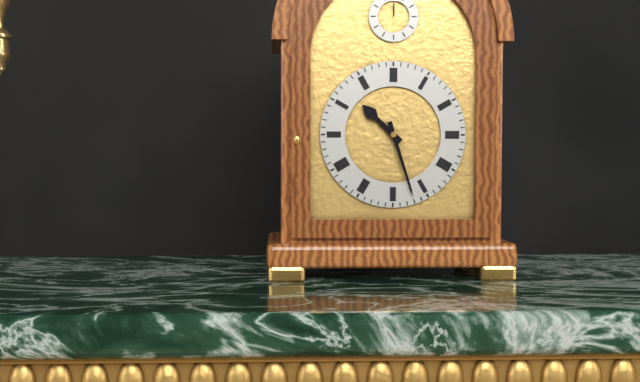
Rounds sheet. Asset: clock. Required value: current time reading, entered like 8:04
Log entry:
10:27
